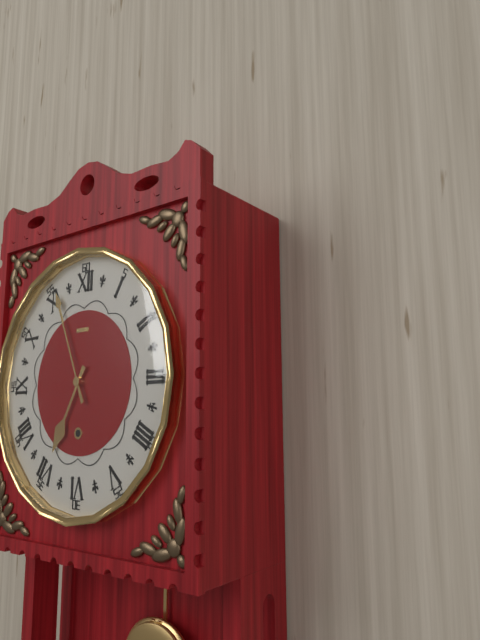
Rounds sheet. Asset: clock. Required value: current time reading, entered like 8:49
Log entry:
6:56
